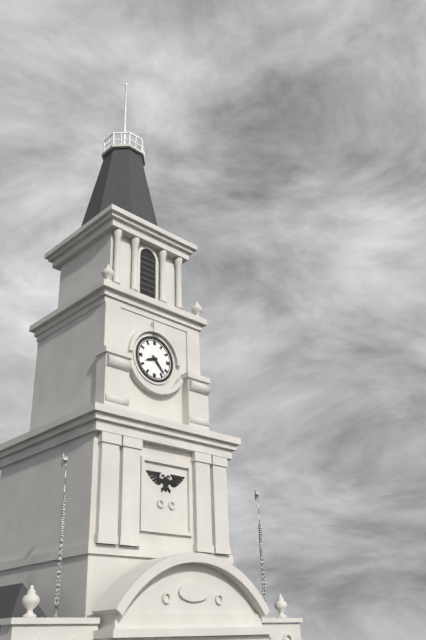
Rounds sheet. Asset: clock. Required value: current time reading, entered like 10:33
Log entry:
8:23
